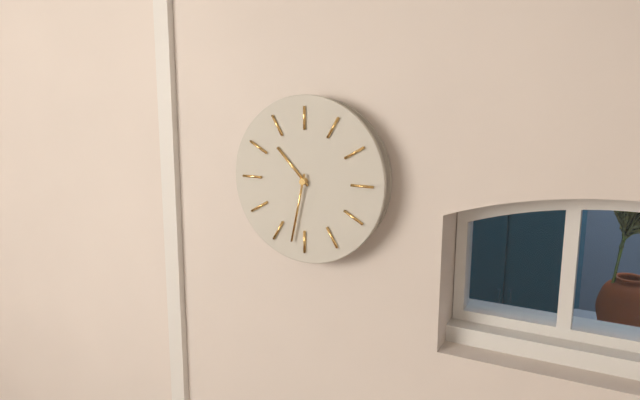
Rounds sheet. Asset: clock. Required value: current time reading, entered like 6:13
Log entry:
10:32
